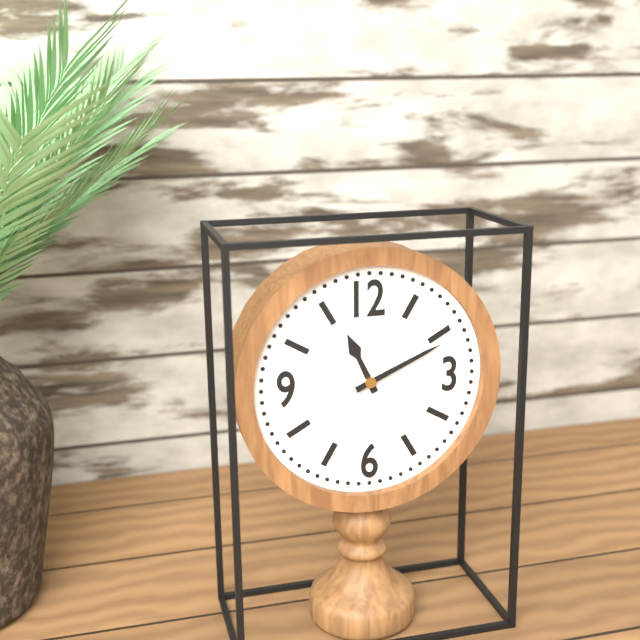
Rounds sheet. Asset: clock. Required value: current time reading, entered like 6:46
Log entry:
11:11
